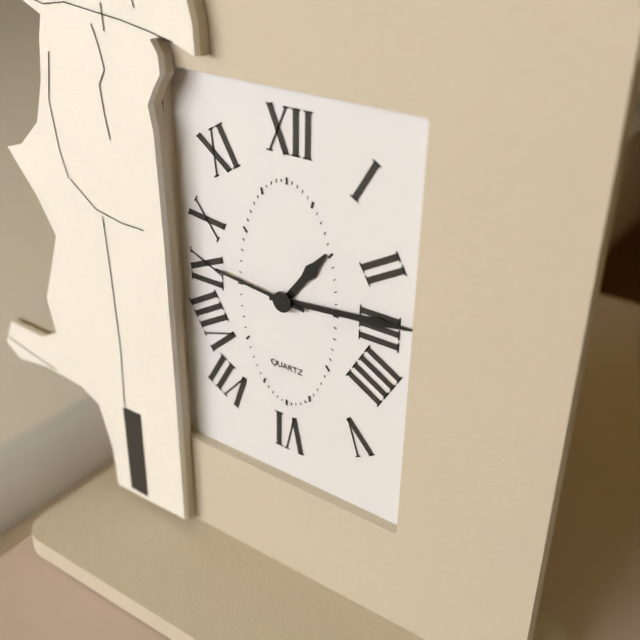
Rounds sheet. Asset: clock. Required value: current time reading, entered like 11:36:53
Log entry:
1:14:46
